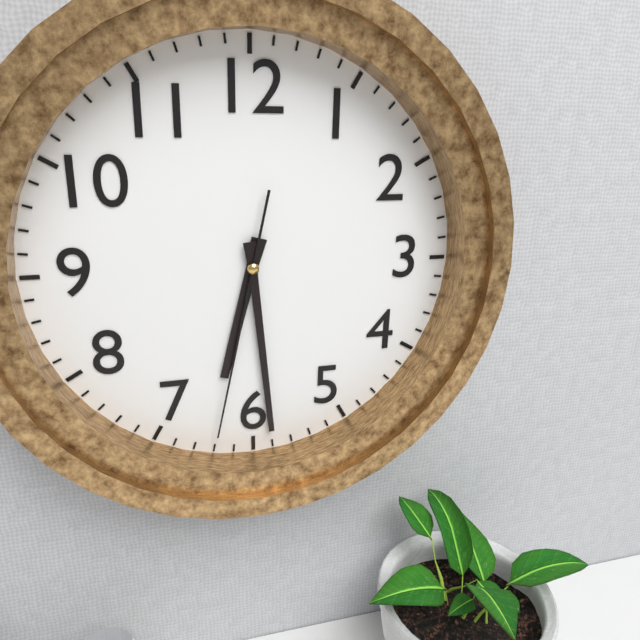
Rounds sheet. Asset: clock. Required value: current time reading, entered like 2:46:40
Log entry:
6:29:32
